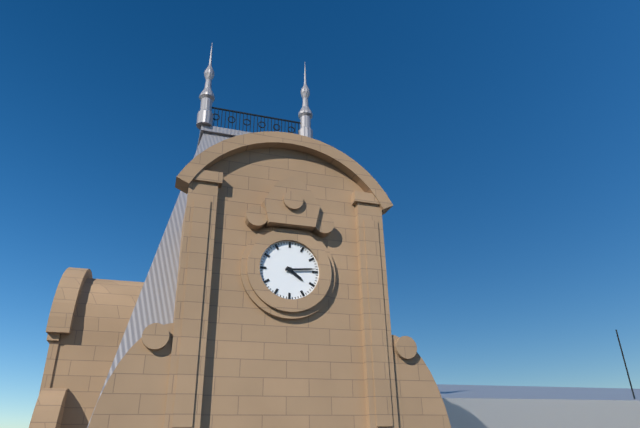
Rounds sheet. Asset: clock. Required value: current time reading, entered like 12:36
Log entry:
4:14
